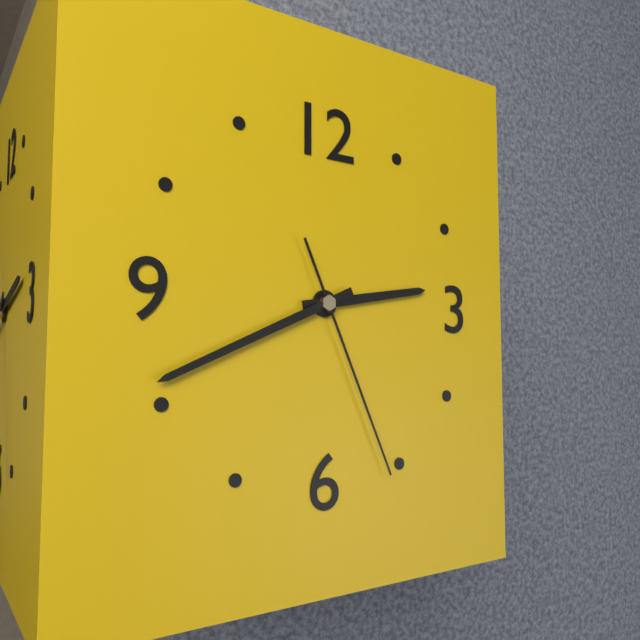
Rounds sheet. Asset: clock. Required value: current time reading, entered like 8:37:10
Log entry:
2:41:26
